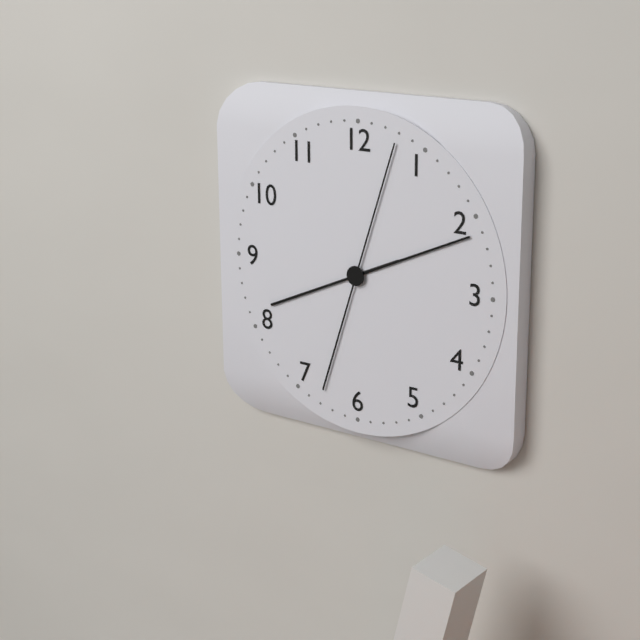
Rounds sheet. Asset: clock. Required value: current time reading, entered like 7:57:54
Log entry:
2:11:03
